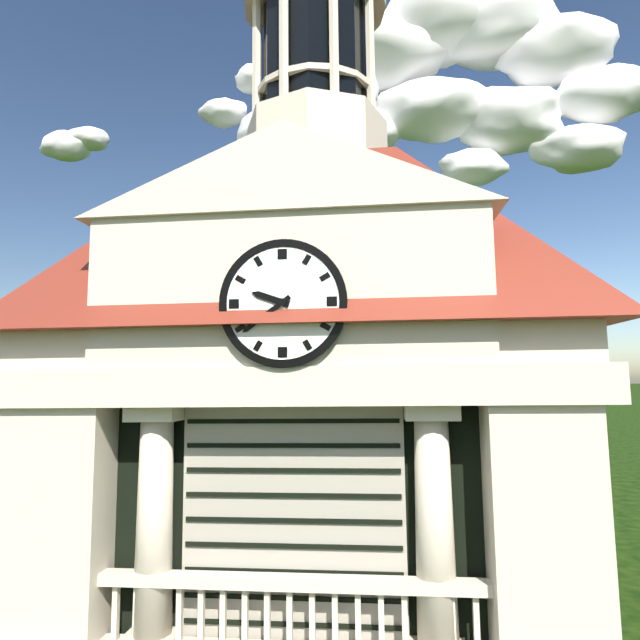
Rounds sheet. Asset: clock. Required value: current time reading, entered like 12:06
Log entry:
9:39
